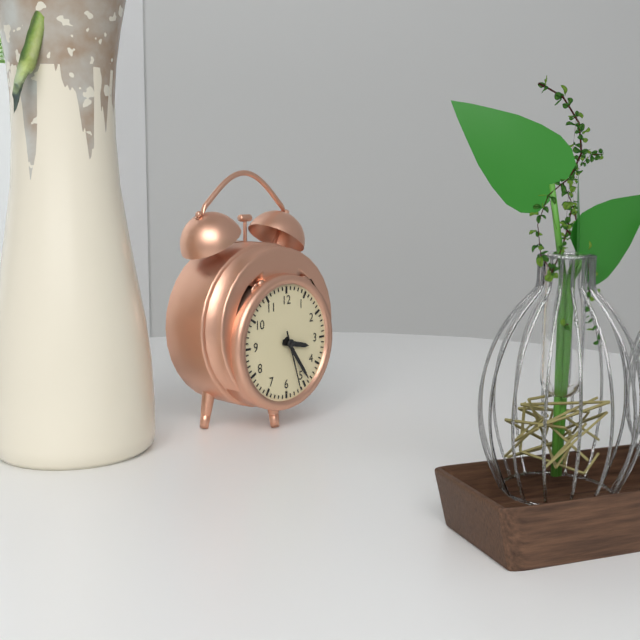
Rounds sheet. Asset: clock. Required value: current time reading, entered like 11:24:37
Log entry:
3:24:27
